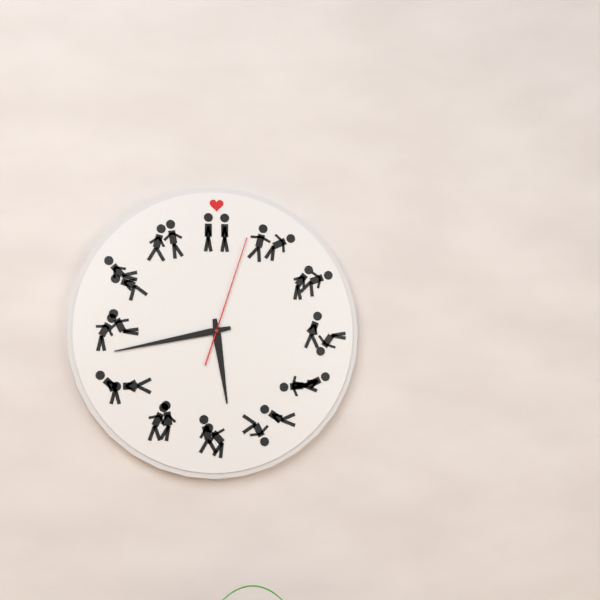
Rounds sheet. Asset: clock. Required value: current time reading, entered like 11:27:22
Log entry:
5:43:03
